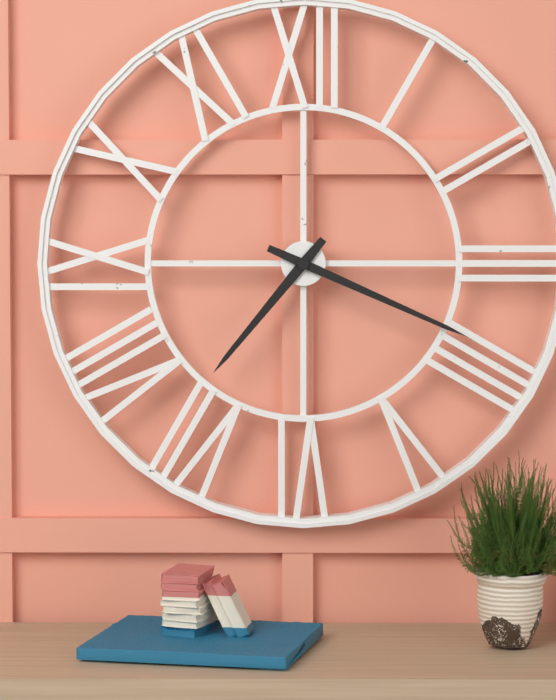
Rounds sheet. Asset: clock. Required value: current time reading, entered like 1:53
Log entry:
7:19
